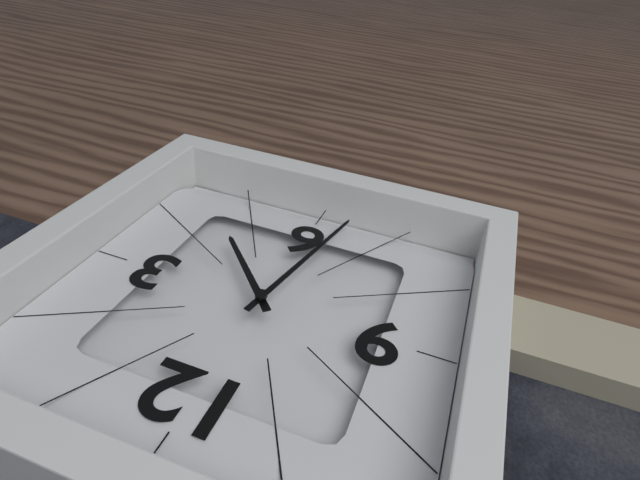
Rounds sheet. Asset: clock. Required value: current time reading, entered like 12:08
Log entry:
4:32
